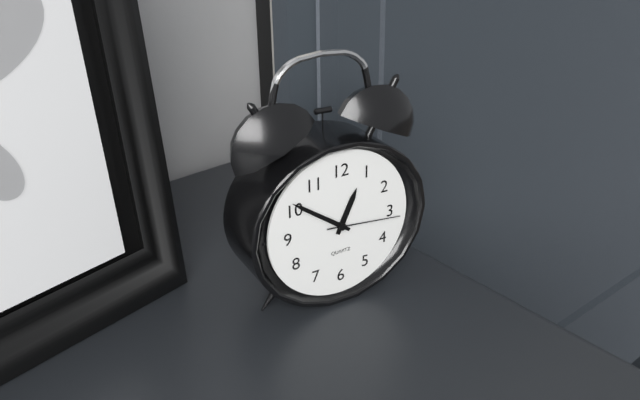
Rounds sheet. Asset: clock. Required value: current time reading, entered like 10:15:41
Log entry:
12:51:16
